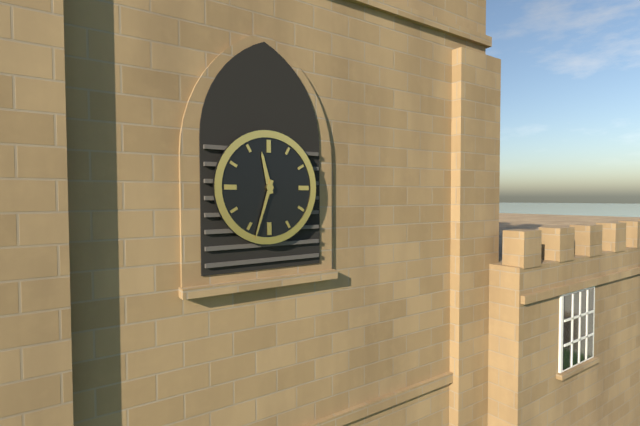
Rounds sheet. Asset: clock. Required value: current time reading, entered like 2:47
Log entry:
11:33
